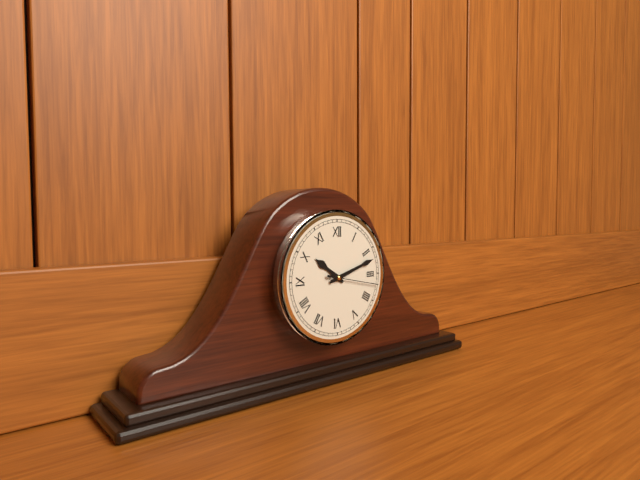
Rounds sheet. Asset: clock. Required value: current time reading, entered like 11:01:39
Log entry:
10:12:17
